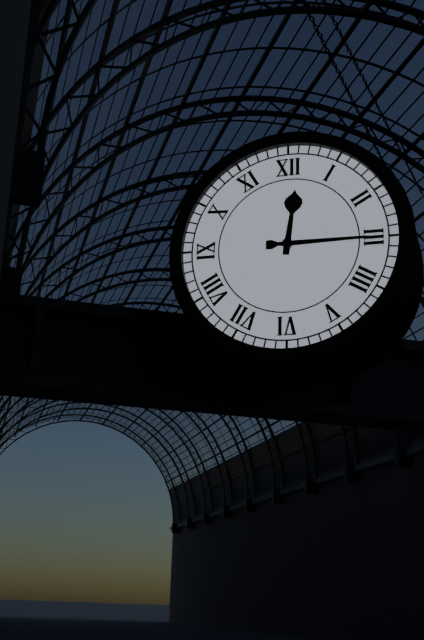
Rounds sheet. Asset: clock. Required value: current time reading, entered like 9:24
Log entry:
12:15
